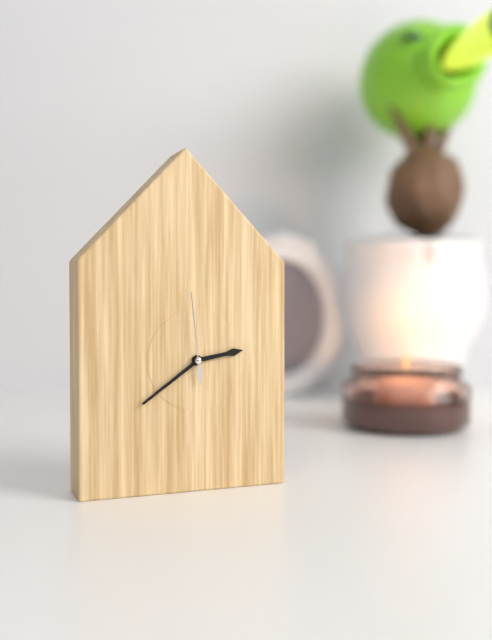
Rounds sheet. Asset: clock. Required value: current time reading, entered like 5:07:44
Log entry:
2:39:59
